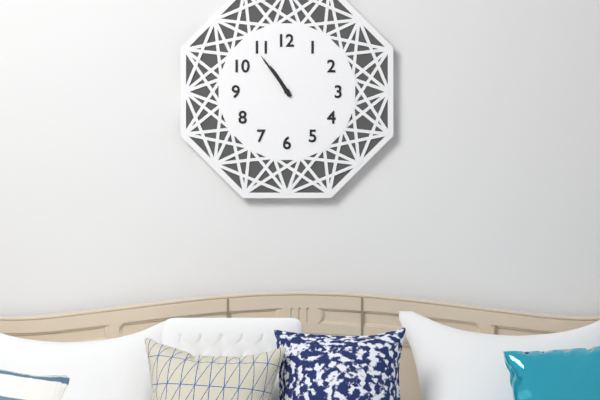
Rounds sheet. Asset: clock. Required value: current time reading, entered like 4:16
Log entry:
10:54
